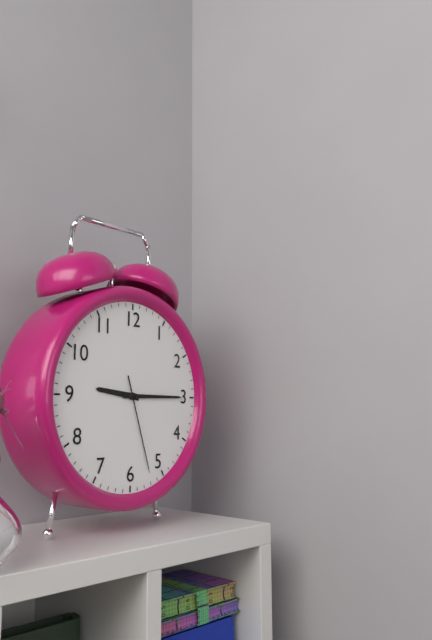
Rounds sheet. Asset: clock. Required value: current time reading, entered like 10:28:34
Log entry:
9:15:27
